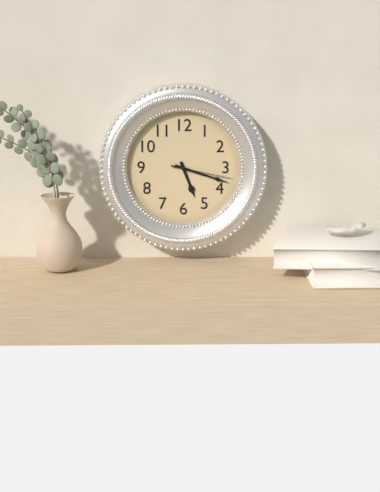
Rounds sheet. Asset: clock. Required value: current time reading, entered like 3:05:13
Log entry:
5:18:17
